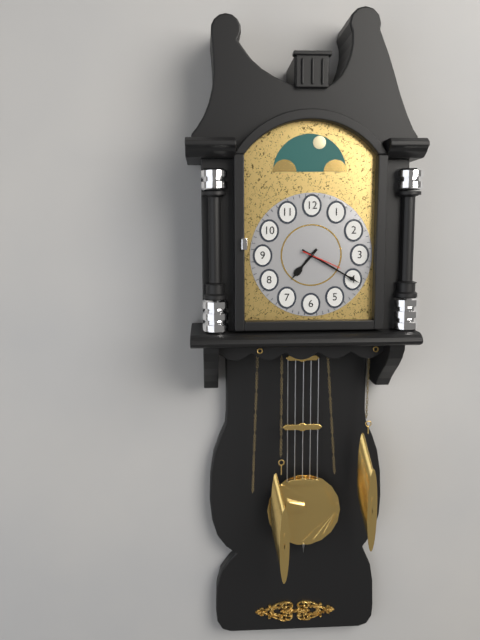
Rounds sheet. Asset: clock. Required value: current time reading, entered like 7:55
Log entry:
7:20
